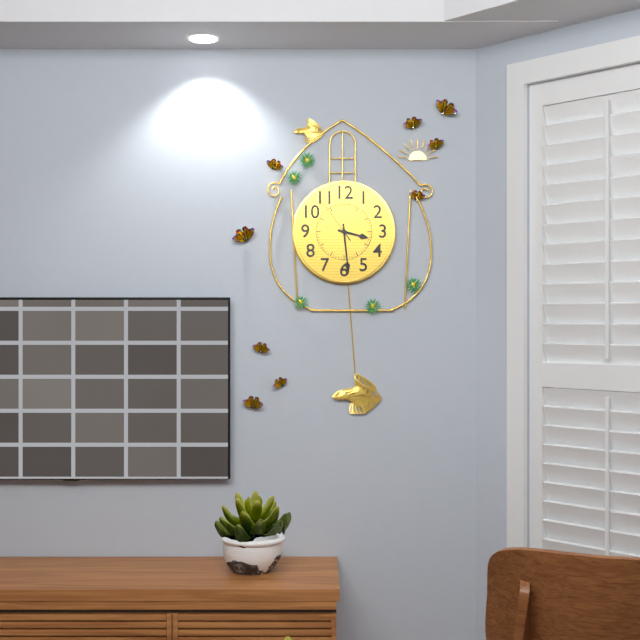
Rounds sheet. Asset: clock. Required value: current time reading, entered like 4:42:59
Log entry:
3:29:54
